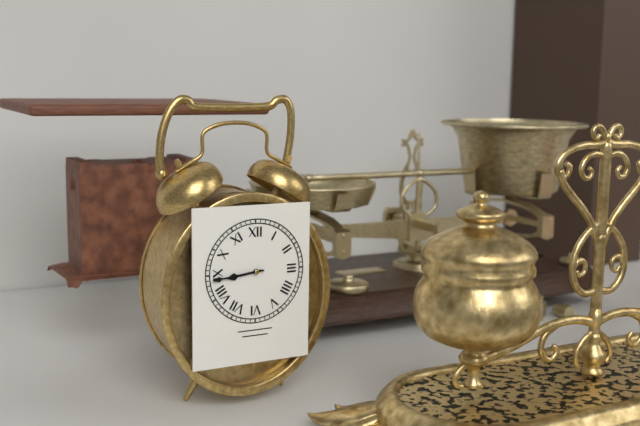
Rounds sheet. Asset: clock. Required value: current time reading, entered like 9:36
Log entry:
8:44
